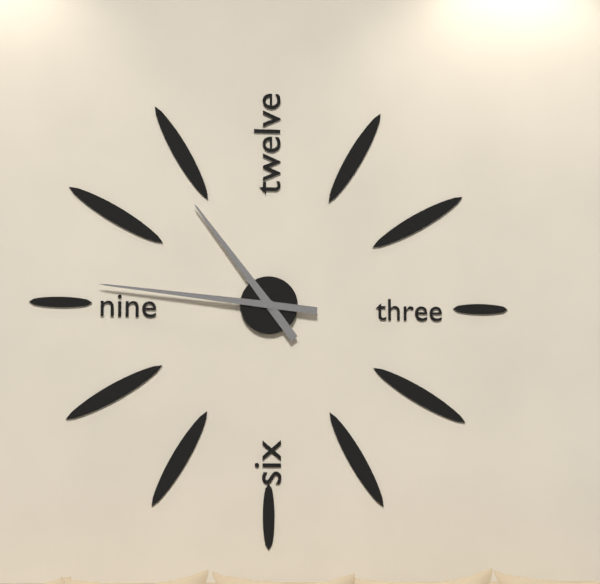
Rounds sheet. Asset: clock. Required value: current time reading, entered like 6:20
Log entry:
10:46
